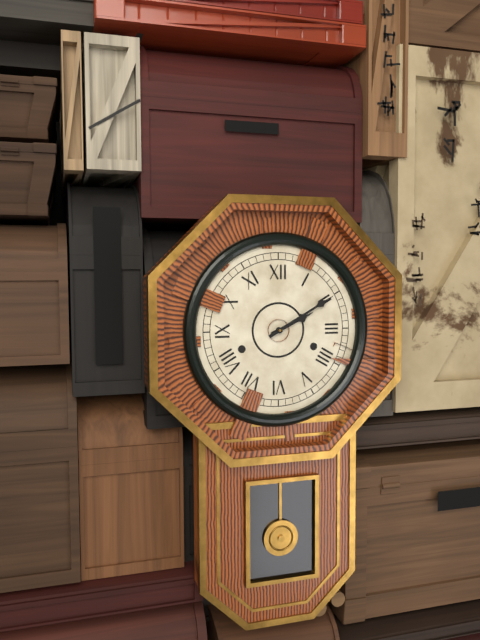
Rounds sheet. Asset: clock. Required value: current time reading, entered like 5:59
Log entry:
2:10
